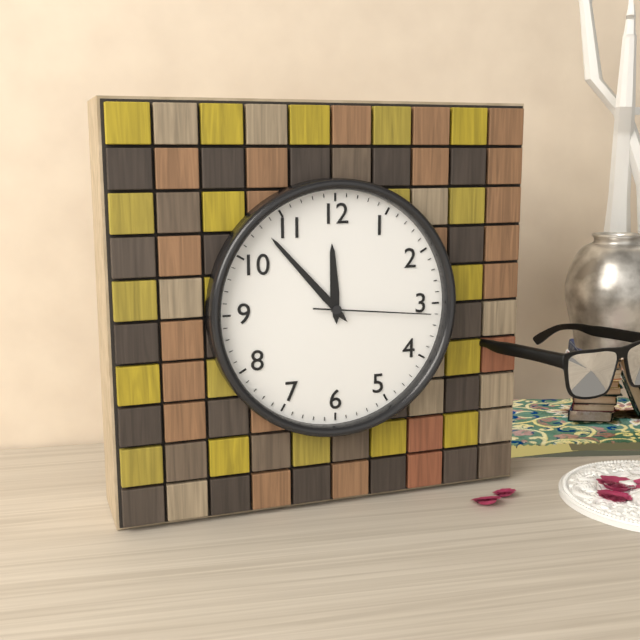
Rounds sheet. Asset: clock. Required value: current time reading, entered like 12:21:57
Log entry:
11:53:16
